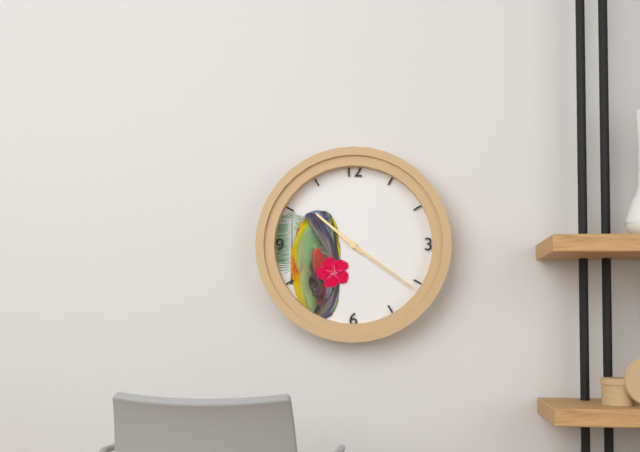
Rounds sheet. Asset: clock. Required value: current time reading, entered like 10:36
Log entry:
10:21
